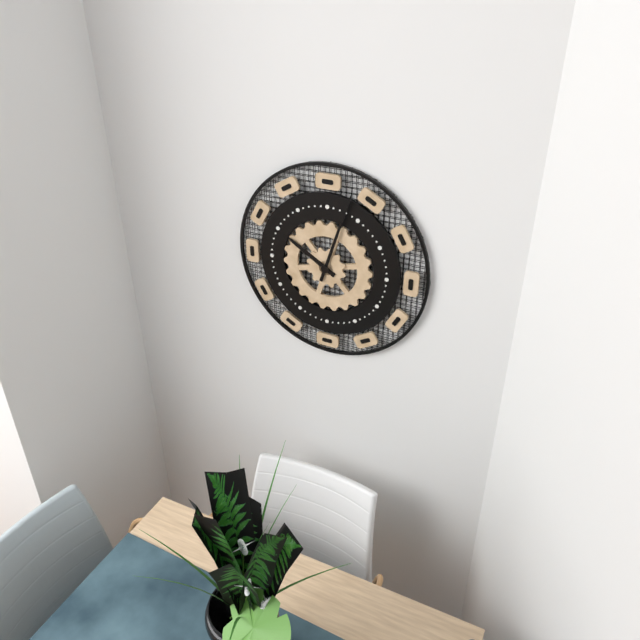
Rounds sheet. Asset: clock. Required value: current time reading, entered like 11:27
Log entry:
10:03
